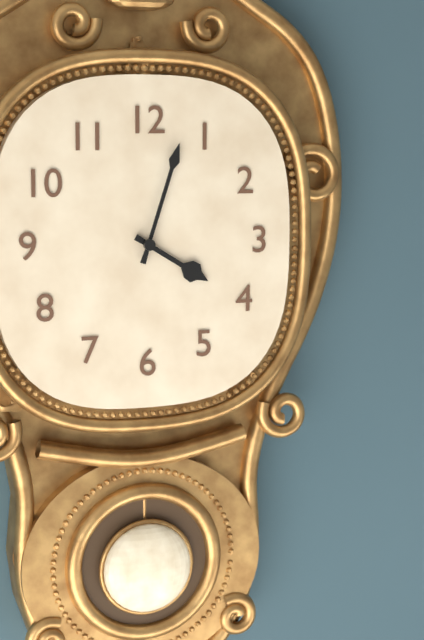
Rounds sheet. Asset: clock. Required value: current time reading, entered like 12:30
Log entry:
4:03
